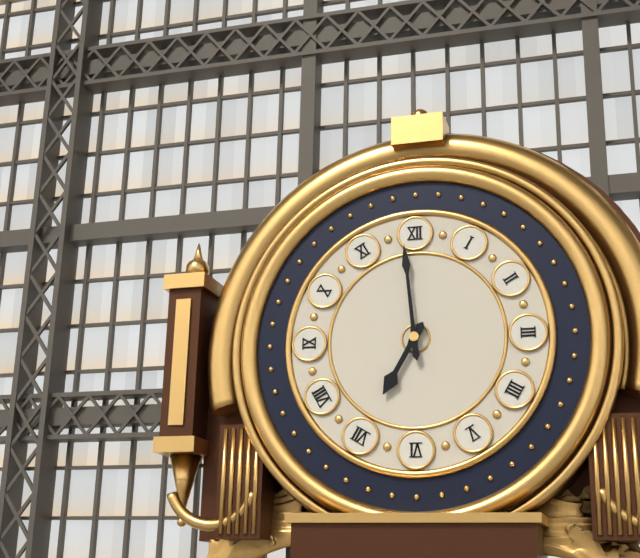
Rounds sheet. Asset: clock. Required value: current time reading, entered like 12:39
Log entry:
6:59
